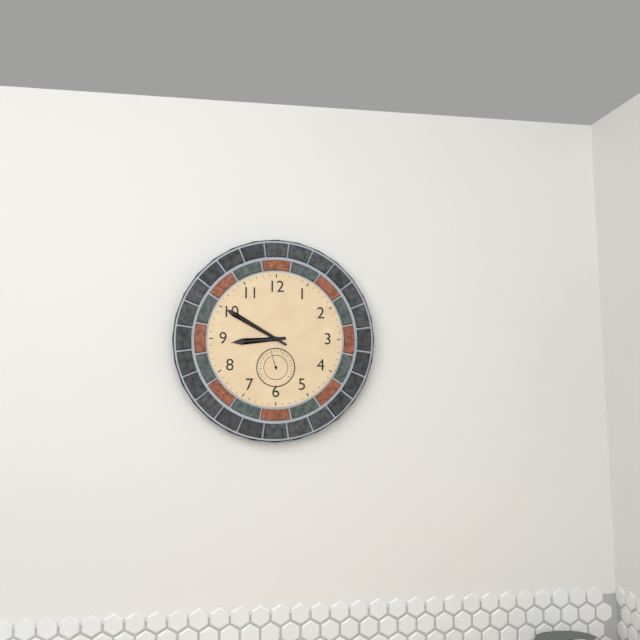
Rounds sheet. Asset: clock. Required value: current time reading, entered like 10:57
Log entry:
8:50
